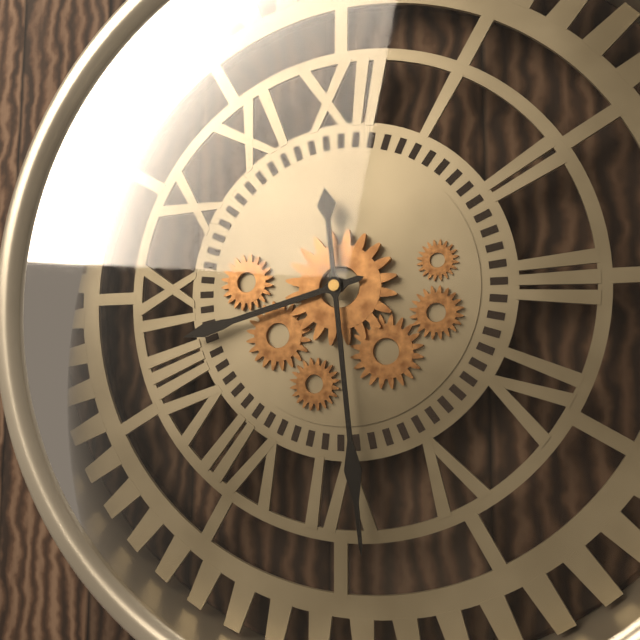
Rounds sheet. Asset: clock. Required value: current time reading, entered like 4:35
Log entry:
8:29
